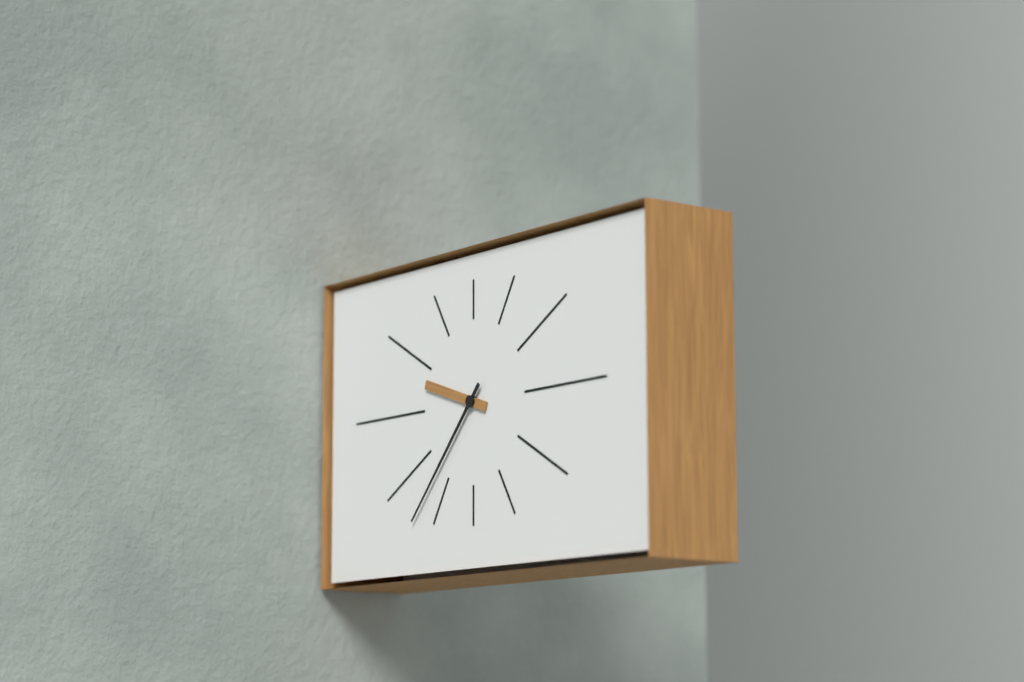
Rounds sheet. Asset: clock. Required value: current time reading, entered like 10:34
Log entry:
9:37
